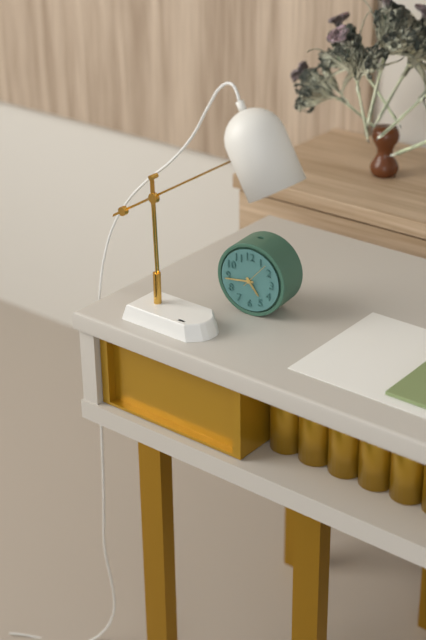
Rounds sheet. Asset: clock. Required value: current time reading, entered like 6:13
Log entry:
4:44
